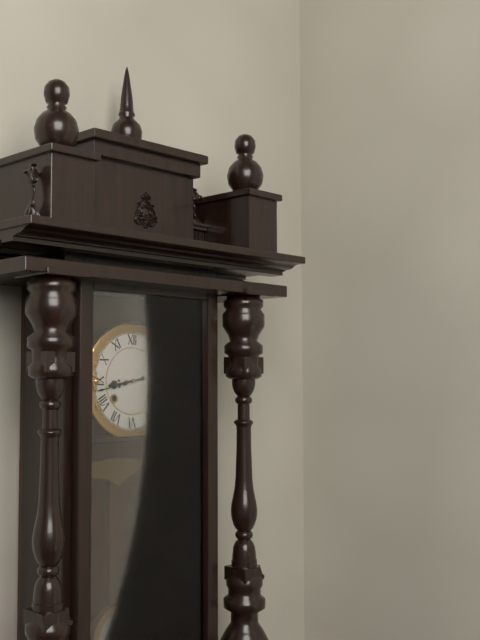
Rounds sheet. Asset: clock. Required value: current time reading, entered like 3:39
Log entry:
8:43
